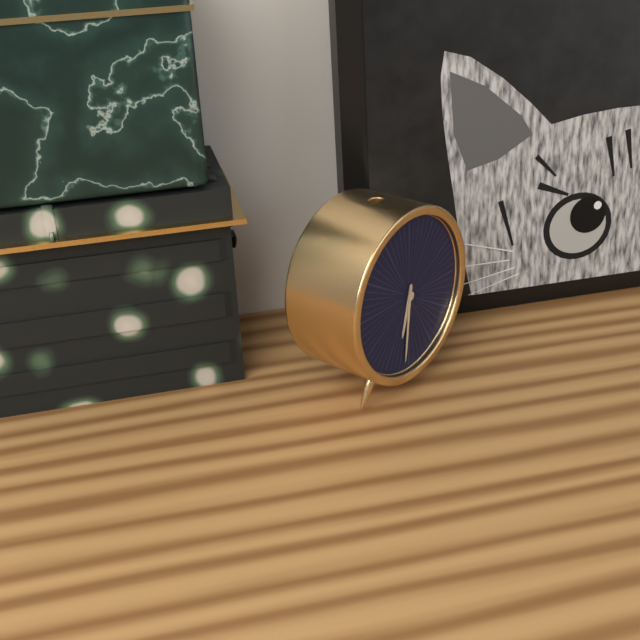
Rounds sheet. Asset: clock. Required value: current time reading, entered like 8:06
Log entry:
6:31
